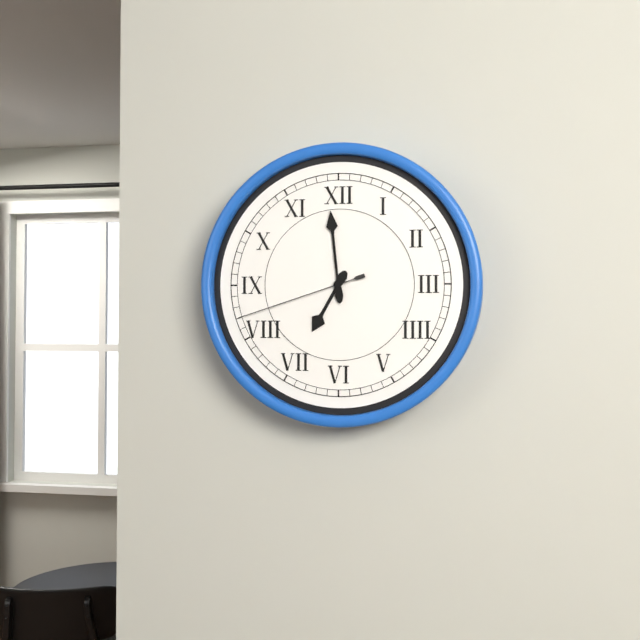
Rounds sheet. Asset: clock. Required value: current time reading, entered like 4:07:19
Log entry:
6:59:42
